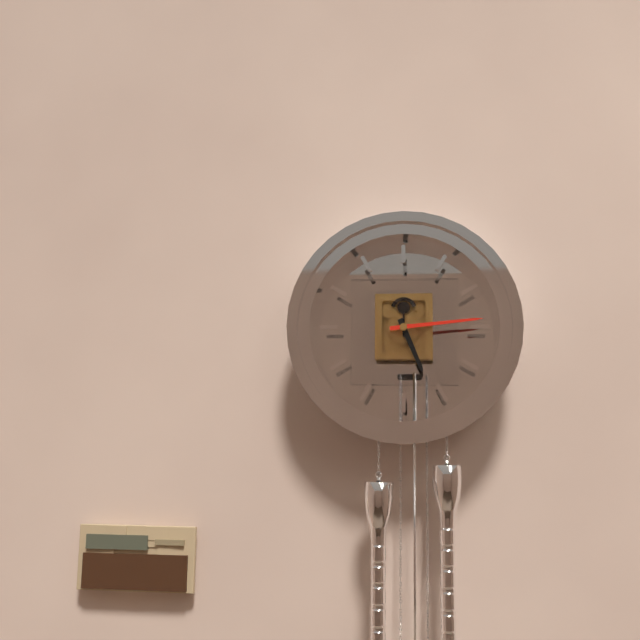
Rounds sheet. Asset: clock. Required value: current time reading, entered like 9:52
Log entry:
5:14
